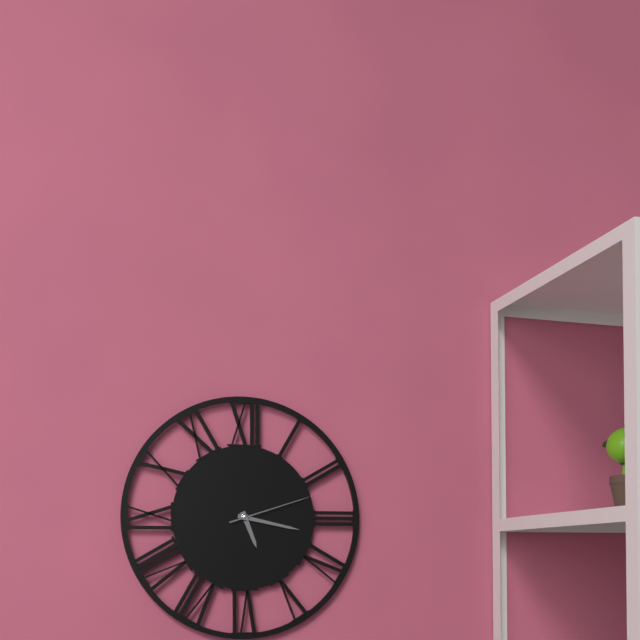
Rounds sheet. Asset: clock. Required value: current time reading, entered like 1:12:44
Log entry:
5:17:12
